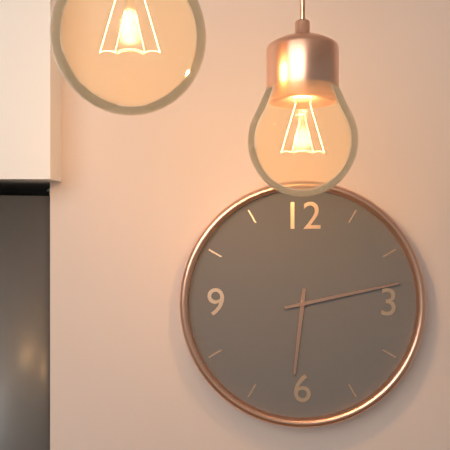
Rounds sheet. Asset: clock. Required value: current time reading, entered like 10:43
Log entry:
6:13
